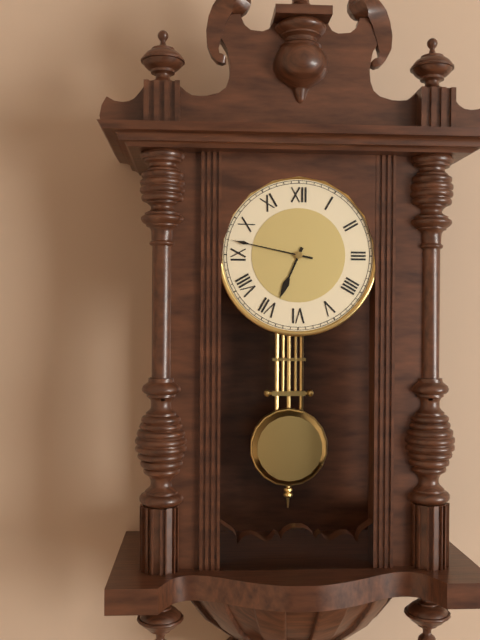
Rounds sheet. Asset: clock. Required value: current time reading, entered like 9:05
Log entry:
6:47
